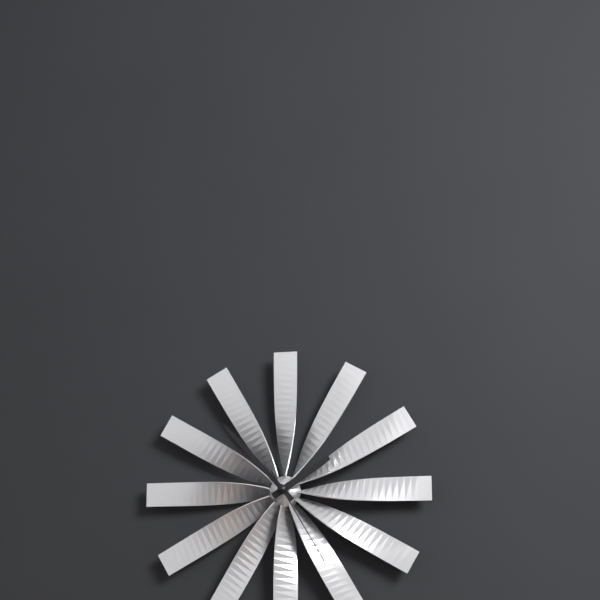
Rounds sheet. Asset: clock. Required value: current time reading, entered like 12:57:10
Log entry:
1:53:25
